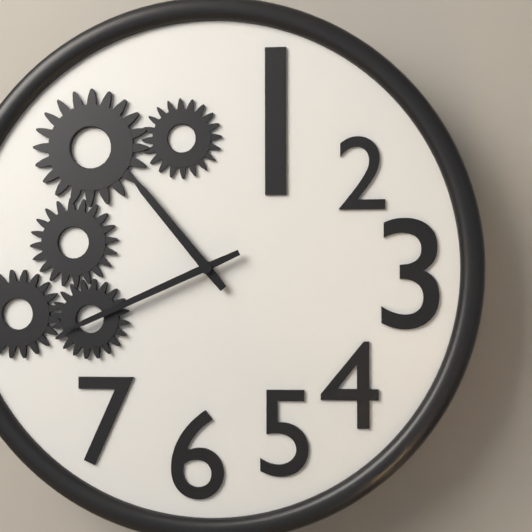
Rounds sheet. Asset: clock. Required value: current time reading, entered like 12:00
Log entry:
10:41
